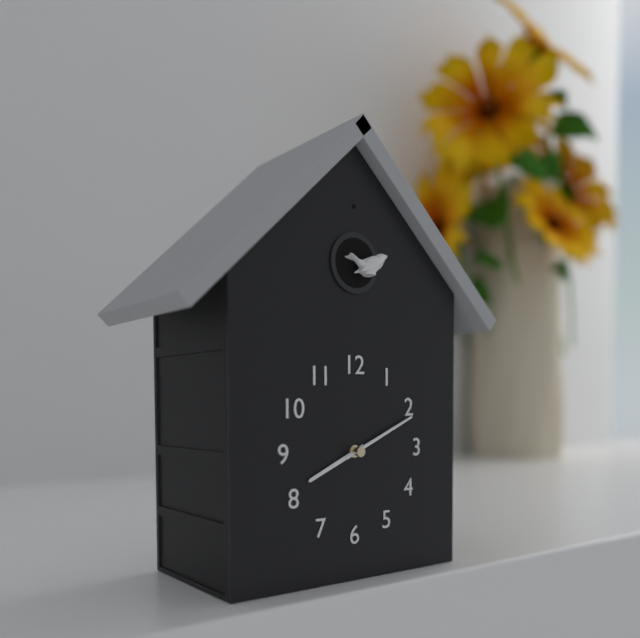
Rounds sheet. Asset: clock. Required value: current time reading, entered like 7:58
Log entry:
8:11
